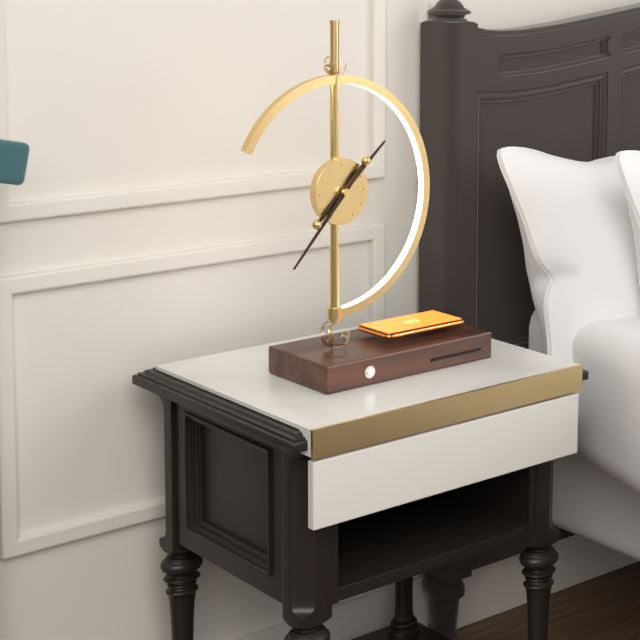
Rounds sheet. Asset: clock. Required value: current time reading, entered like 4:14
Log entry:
1:37
